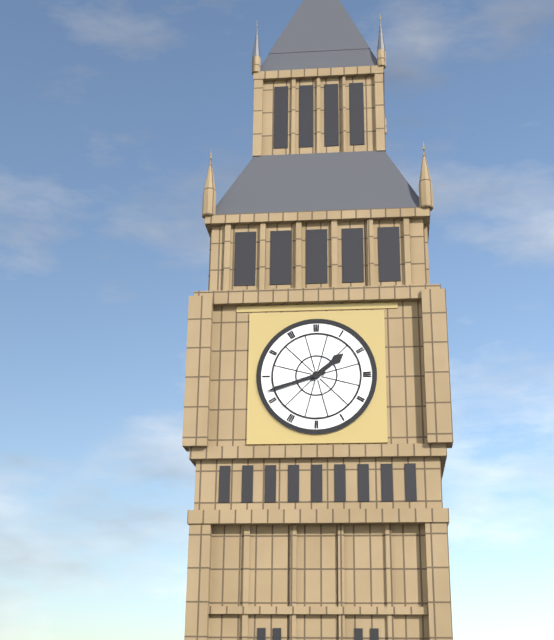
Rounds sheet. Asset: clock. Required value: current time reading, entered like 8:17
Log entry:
1:42
